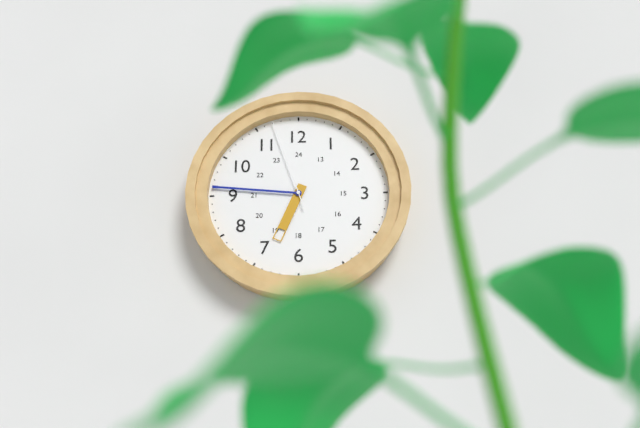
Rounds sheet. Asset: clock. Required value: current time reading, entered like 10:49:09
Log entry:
6:46:57
